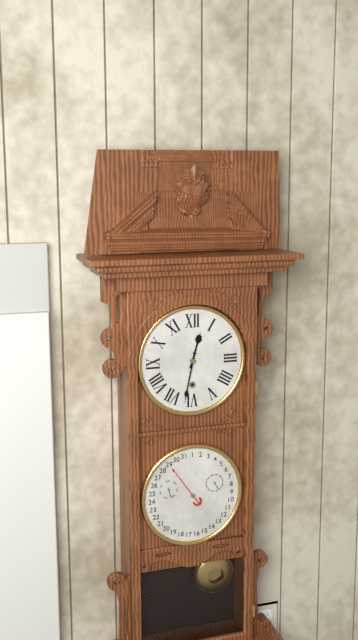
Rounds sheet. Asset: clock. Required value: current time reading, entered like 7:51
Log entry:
12:32
